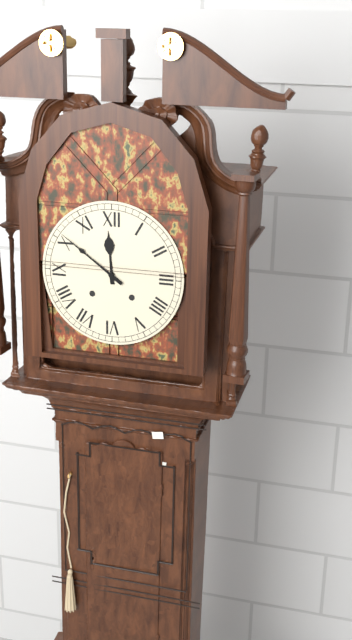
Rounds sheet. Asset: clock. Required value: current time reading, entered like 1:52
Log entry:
11:51
